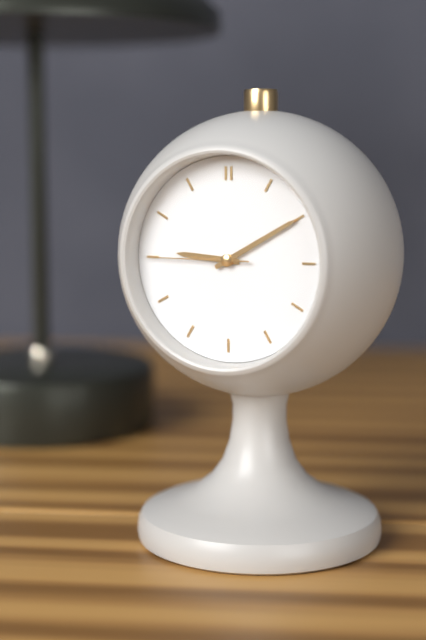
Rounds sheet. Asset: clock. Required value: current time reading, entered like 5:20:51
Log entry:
9:10:45
